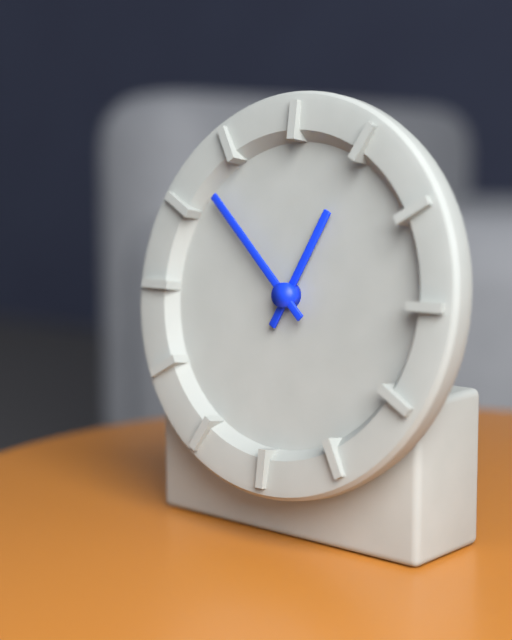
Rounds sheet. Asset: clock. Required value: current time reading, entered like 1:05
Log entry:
12:52
